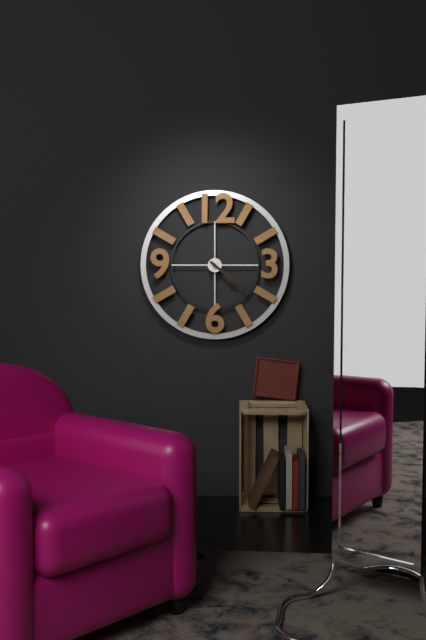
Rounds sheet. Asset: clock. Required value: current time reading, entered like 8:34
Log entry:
4:21
